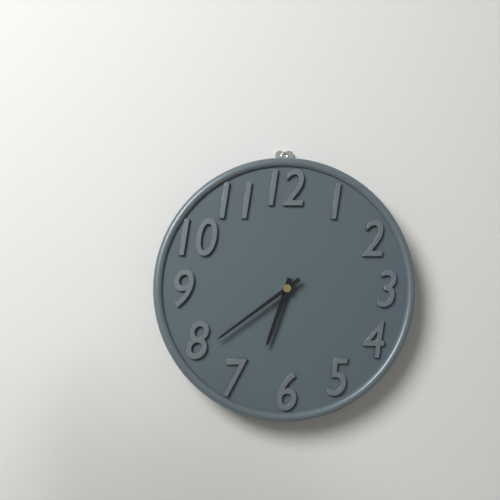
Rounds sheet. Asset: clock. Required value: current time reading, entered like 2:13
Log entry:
6:39
